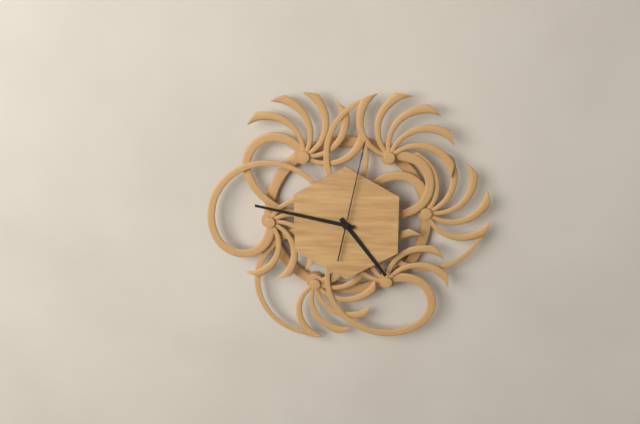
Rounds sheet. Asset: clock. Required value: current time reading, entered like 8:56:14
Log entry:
4:47:02
